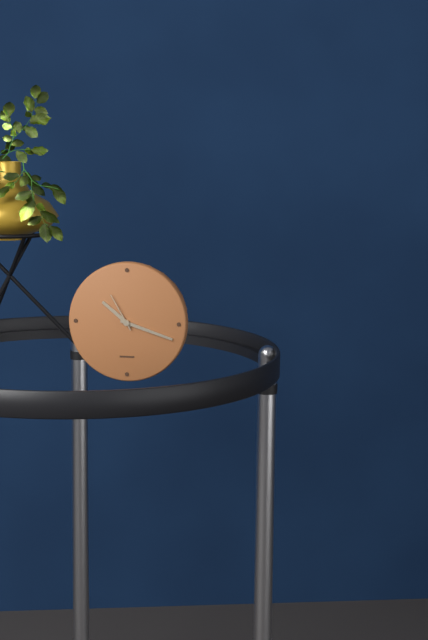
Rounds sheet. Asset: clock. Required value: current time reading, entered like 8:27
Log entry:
10:18
